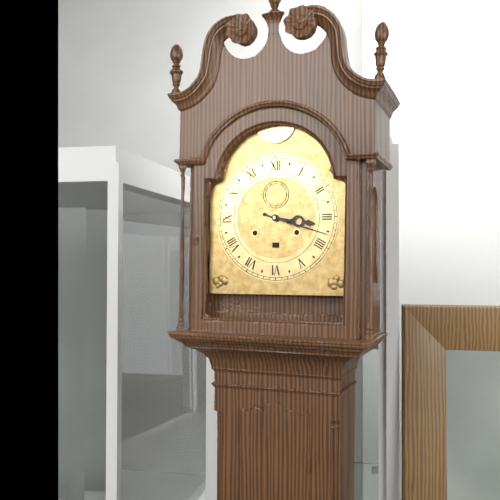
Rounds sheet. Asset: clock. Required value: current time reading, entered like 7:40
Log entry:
3:18
